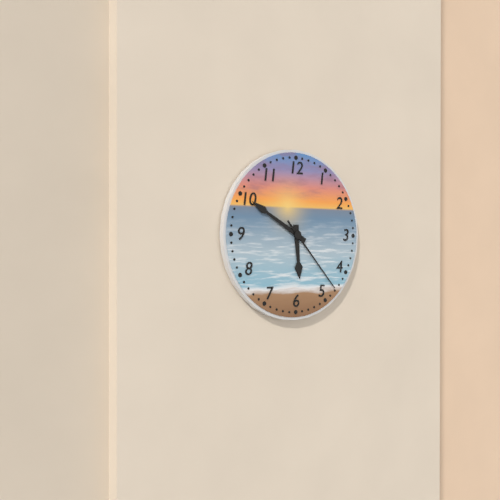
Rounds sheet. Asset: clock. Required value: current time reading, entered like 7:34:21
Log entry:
5:50:23
